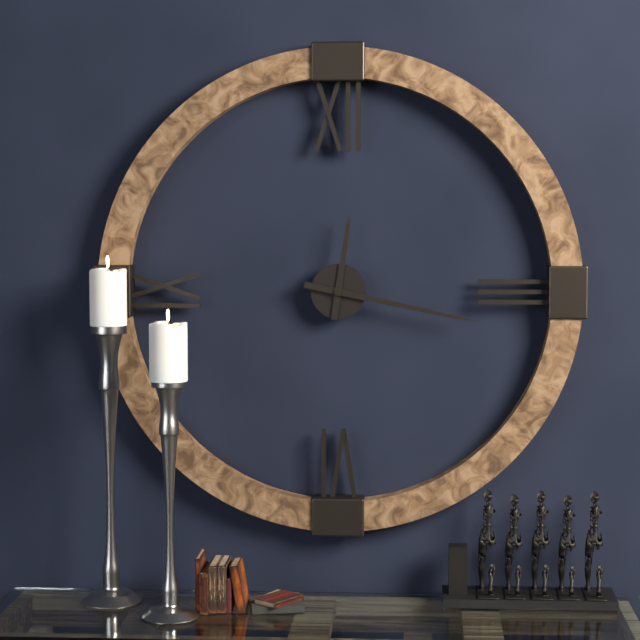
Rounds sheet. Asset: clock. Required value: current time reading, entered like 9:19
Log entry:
12:17
